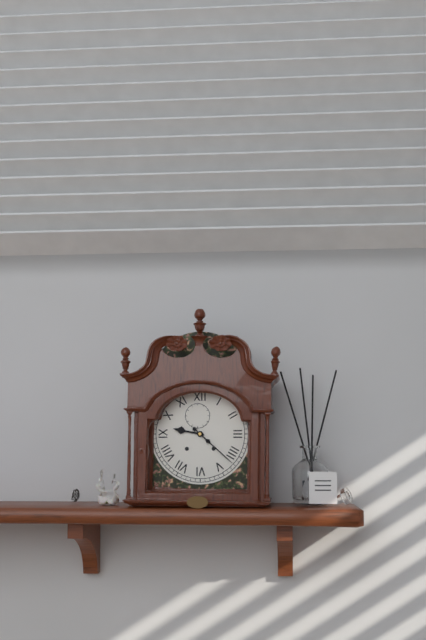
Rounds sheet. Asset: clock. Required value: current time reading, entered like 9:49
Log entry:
9:22
